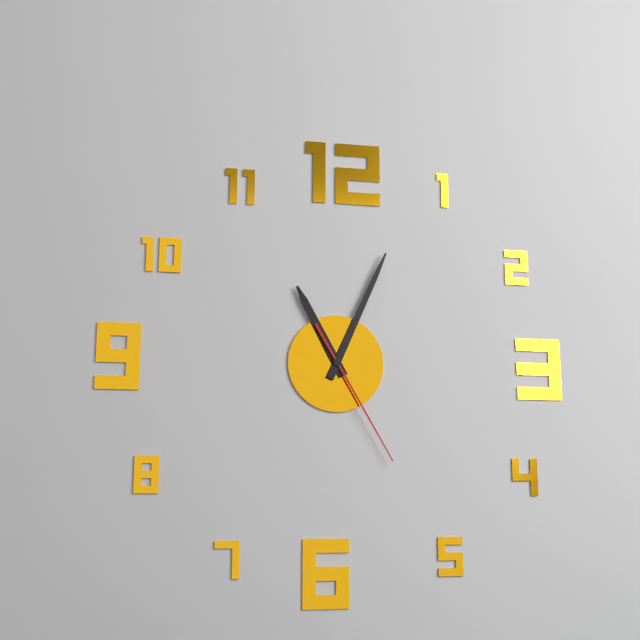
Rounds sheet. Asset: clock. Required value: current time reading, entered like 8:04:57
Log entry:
11:04:25
